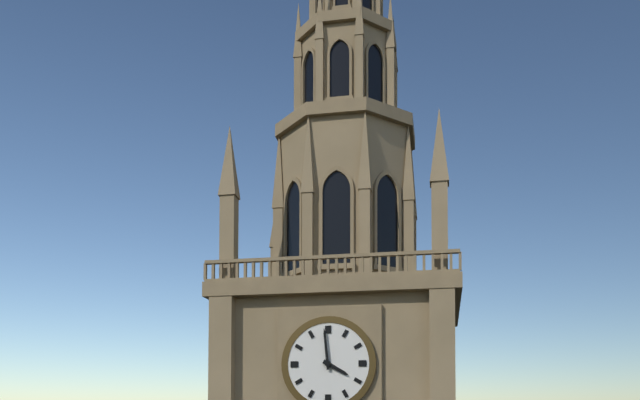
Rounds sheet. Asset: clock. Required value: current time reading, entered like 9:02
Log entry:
3:59
